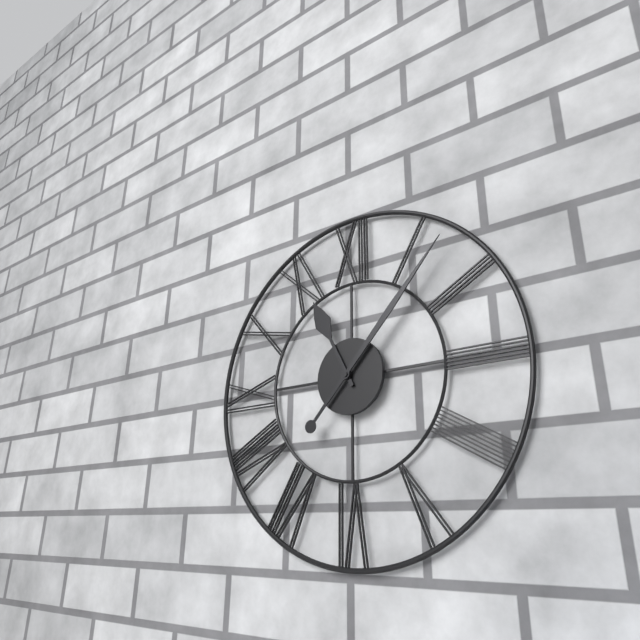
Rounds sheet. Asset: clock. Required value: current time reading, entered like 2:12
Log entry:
11:07
